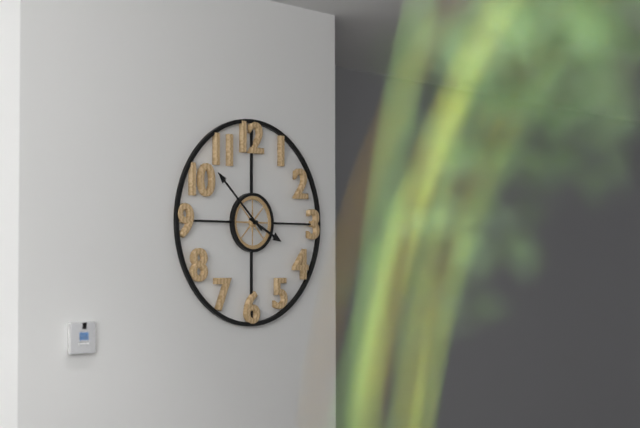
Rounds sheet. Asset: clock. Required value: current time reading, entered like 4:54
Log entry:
3:52
